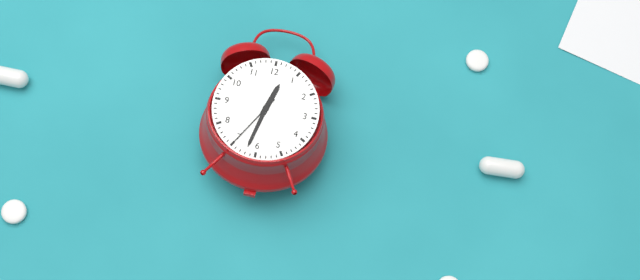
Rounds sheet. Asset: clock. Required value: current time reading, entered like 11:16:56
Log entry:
12:32:35
